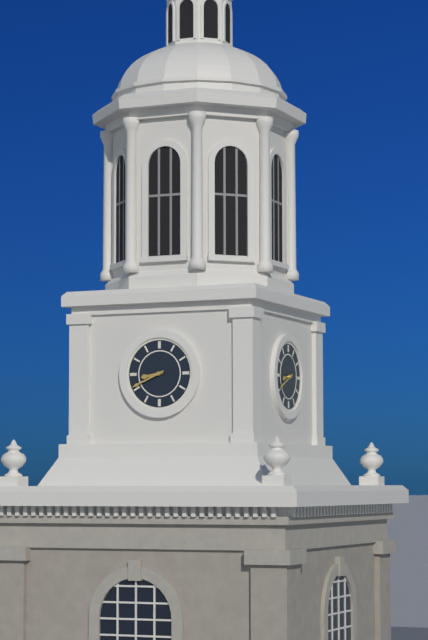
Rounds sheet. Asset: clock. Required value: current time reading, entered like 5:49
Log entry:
8:41
